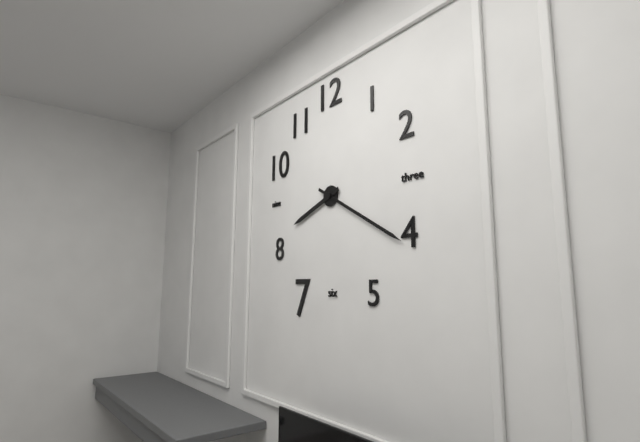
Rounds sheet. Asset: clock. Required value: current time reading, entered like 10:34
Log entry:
8:20
